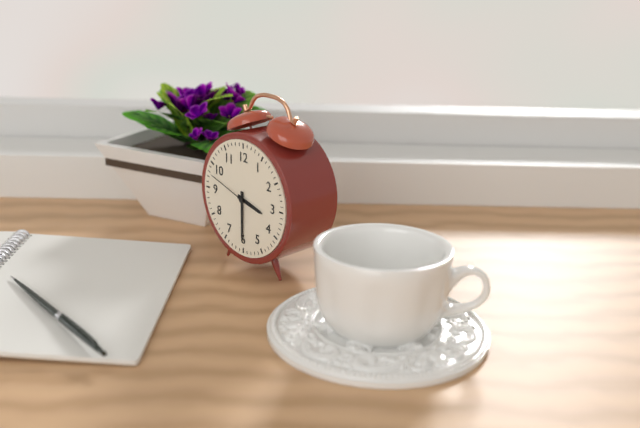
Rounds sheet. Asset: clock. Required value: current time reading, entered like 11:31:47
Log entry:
3:30:48
